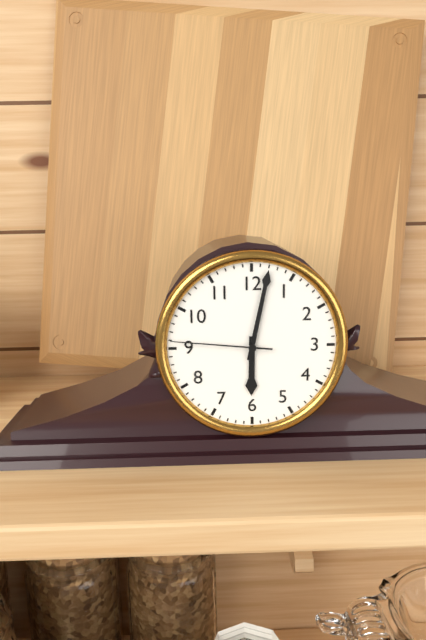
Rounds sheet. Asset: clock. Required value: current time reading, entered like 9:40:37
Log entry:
6:02:46
